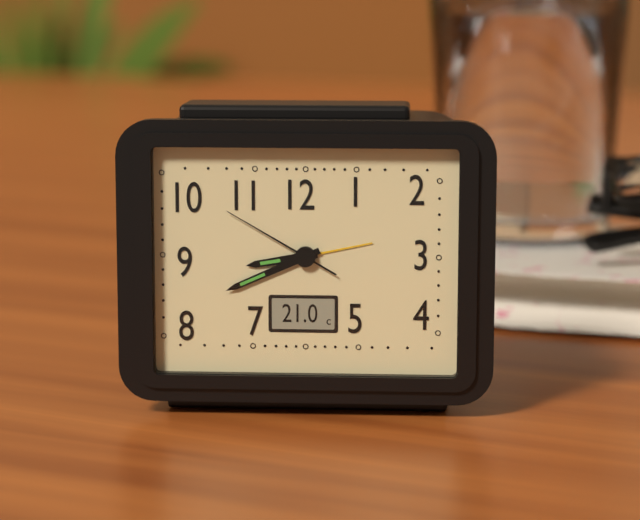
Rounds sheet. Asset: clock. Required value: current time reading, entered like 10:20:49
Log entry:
8:41:50
